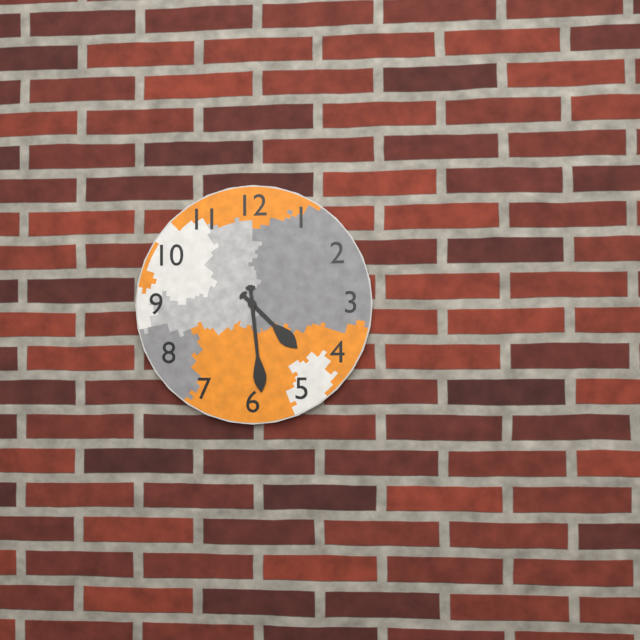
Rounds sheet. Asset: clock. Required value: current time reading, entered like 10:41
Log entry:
4:29
